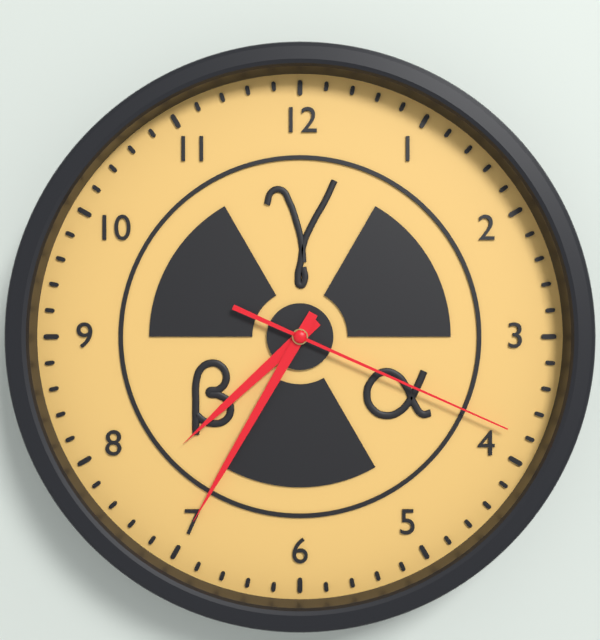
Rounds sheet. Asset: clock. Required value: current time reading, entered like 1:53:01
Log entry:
7:35:19
